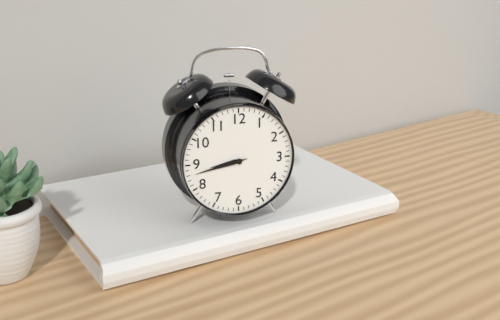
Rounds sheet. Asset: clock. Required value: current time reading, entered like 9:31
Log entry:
8:43
